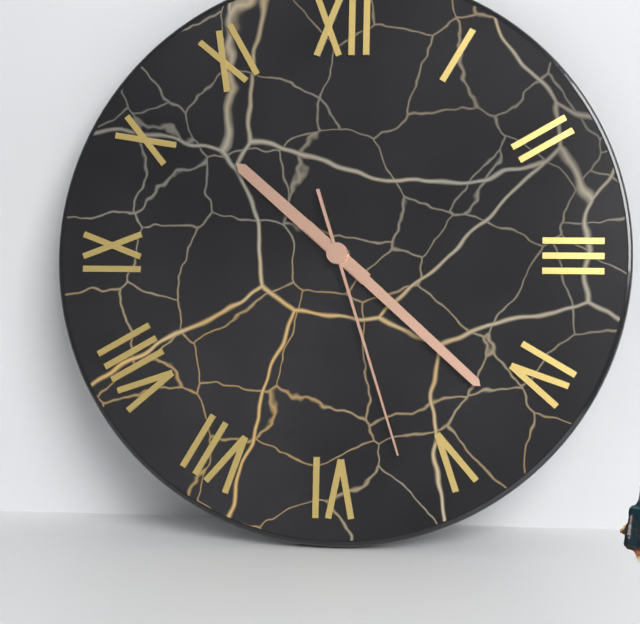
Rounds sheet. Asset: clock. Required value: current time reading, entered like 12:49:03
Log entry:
10:22:27
